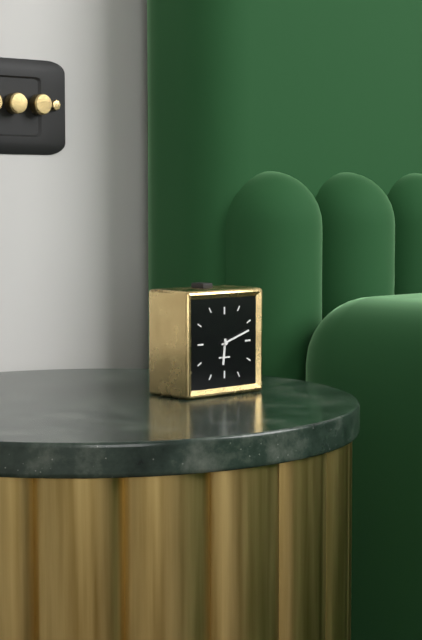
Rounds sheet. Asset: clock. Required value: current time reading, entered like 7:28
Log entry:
6:12
